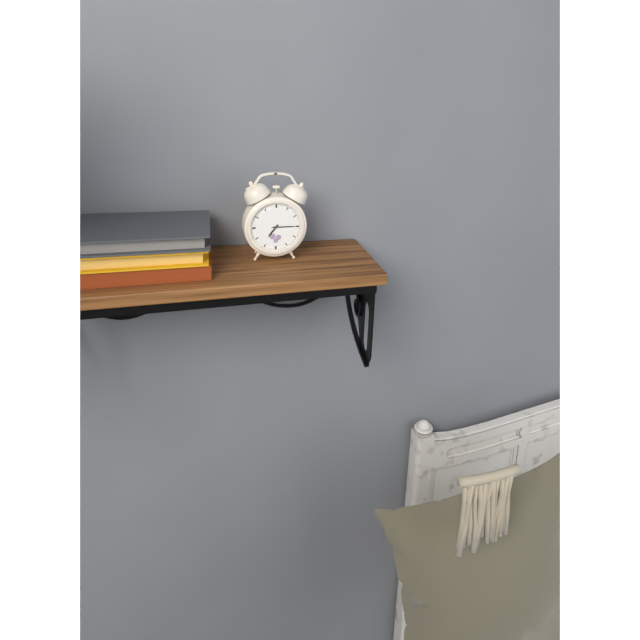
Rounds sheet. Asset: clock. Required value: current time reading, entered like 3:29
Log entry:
7:15
